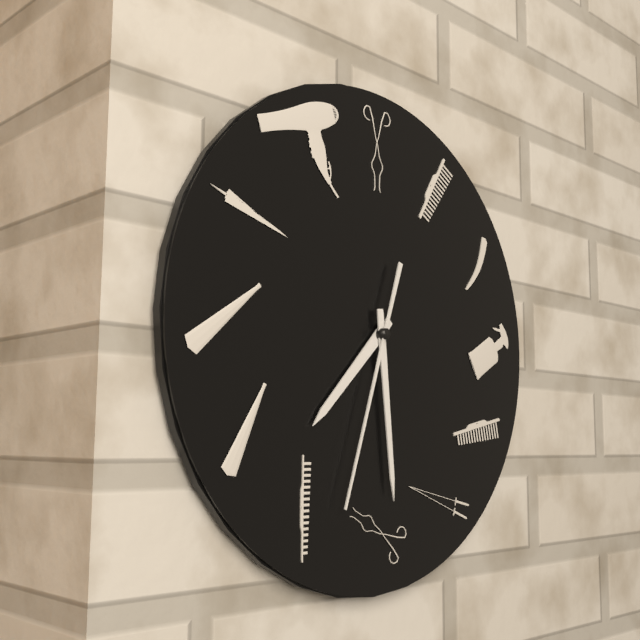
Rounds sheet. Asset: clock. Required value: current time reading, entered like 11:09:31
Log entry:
7:29:33
